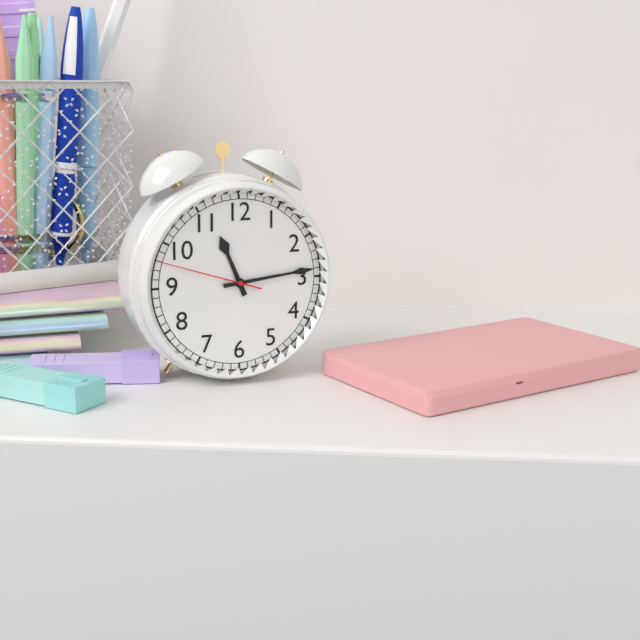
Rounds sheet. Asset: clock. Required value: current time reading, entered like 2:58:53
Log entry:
11:14:48
